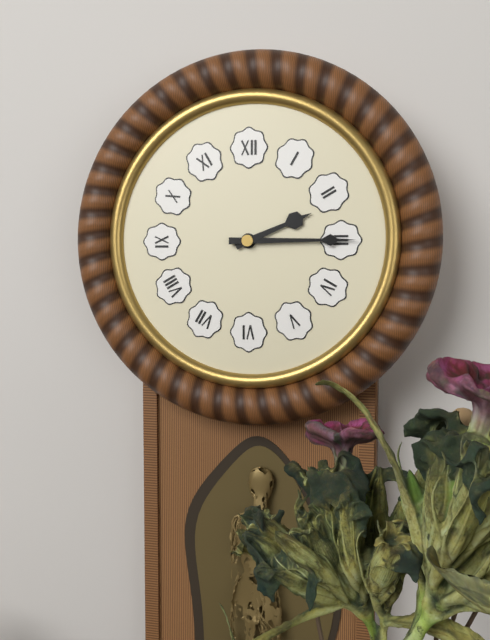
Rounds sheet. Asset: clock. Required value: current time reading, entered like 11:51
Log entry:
2:15
